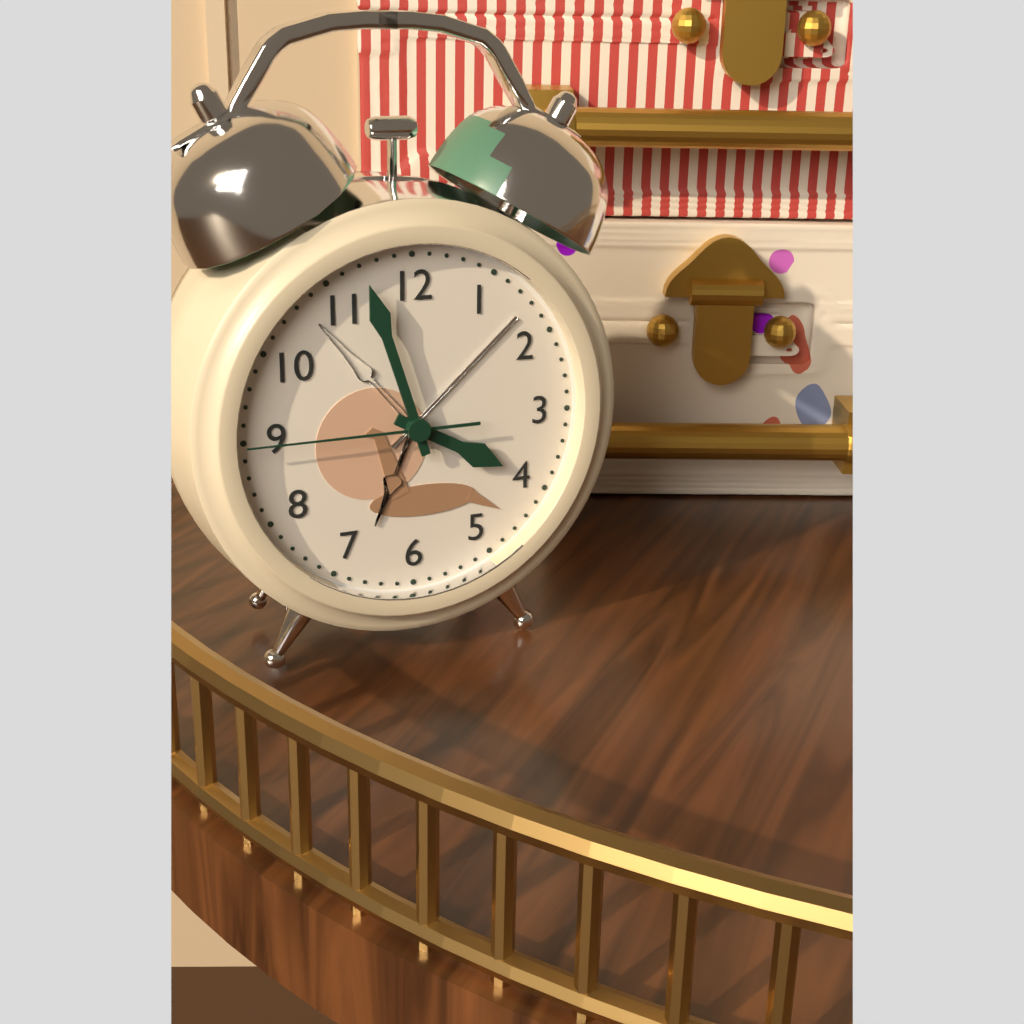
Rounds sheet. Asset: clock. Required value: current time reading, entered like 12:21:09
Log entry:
3:57:45
